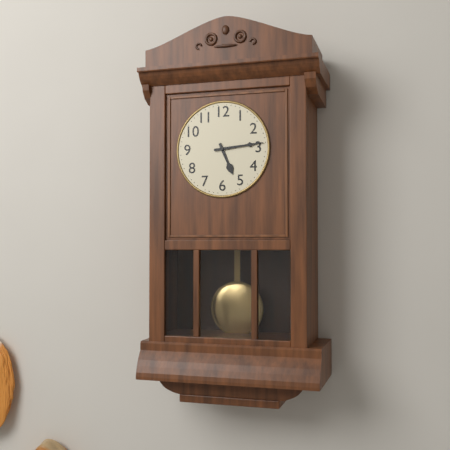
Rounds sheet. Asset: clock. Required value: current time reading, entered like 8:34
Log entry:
5:14
